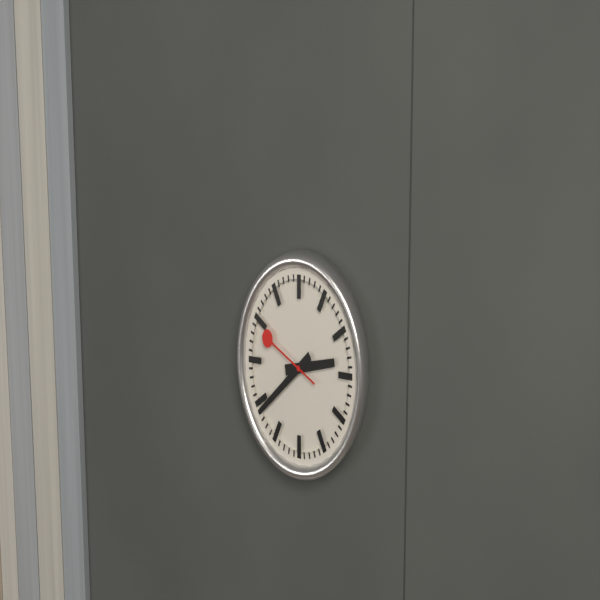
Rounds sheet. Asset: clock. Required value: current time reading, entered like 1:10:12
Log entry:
2:39:49
